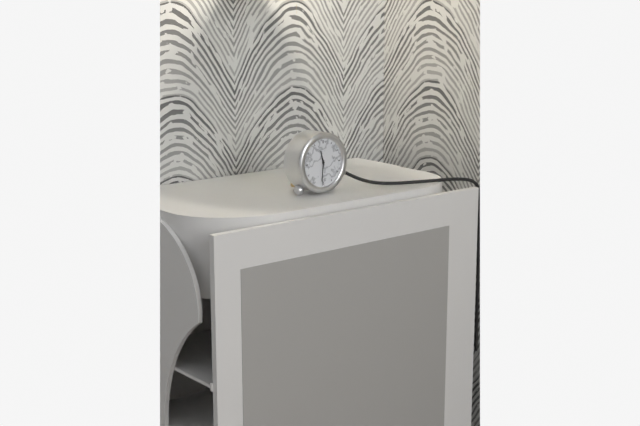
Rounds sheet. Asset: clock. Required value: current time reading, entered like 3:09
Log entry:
11:31
